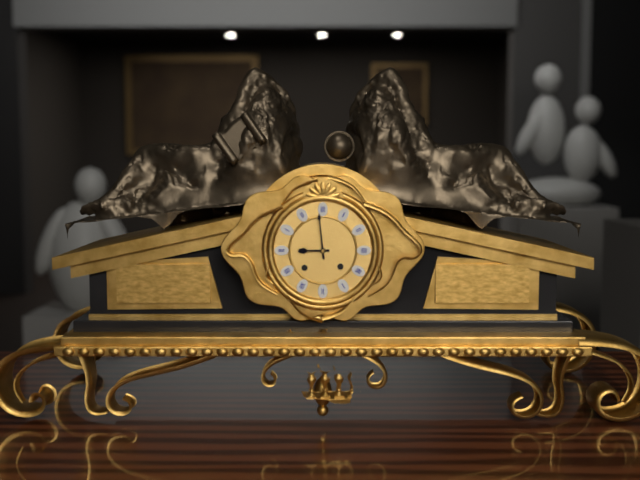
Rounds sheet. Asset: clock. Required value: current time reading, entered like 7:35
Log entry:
8:59
